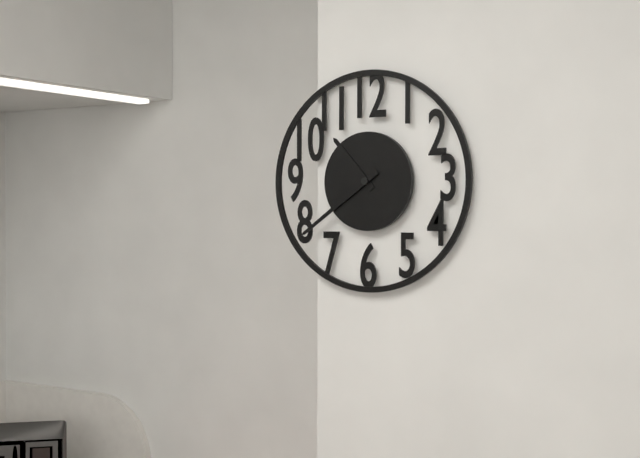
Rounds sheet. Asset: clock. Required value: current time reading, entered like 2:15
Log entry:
10:39
